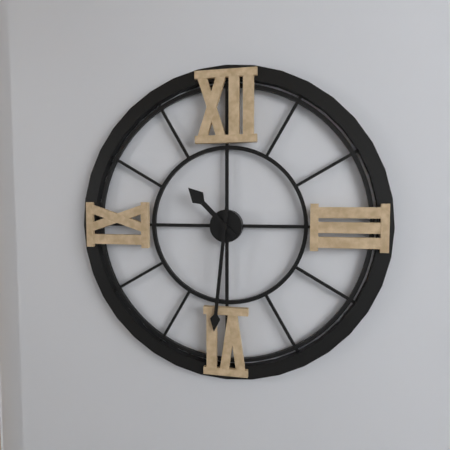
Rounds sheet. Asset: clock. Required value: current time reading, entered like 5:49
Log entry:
10:31
